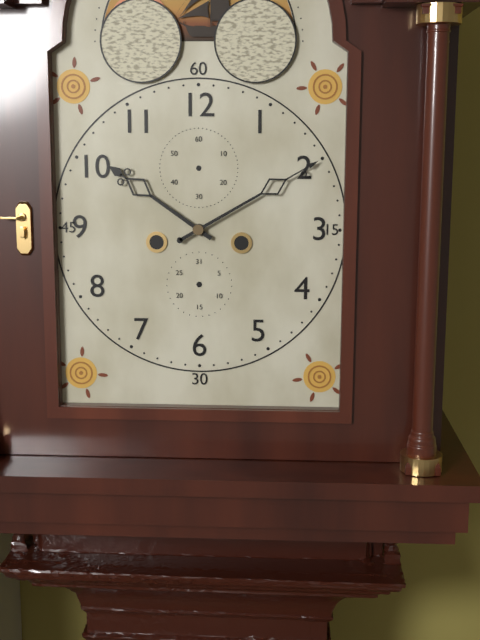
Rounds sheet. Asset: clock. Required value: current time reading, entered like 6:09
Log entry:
10:10
